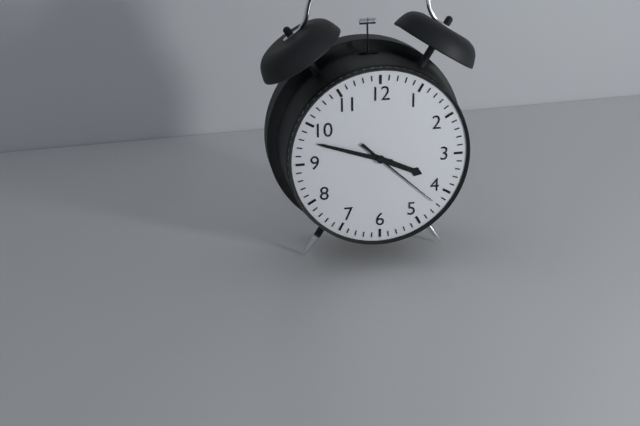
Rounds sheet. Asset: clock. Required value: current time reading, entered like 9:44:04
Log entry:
3:48:22
